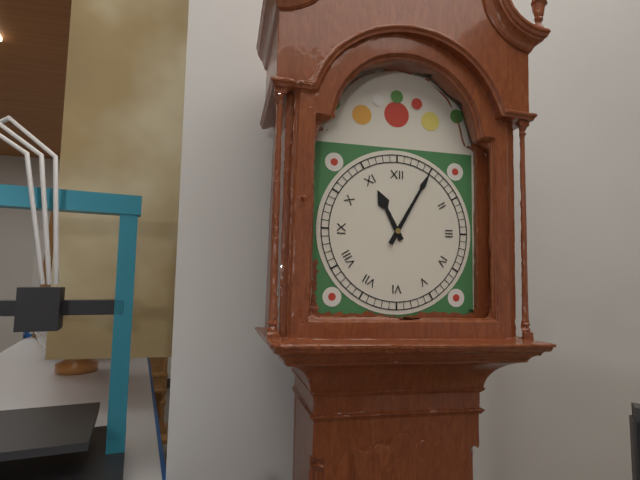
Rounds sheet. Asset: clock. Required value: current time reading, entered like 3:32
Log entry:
11:05
